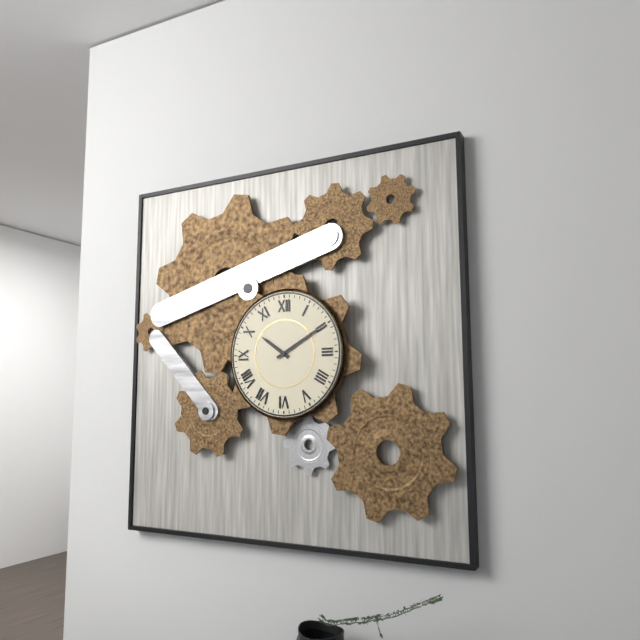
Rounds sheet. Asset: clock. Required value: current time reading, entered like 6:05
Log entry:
10:10
